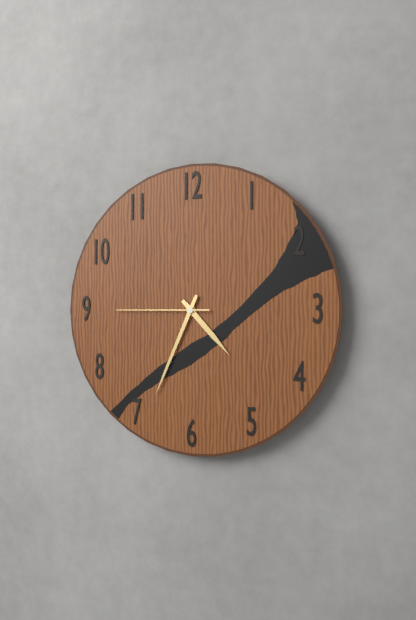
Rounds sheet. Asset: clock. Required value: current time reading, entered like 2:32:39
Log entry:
4:34:45
